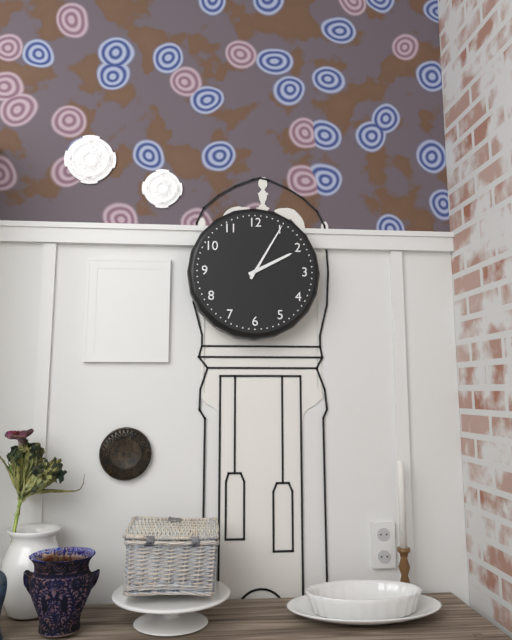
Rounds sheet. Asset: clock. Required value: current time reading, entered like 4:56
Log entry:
2:05
